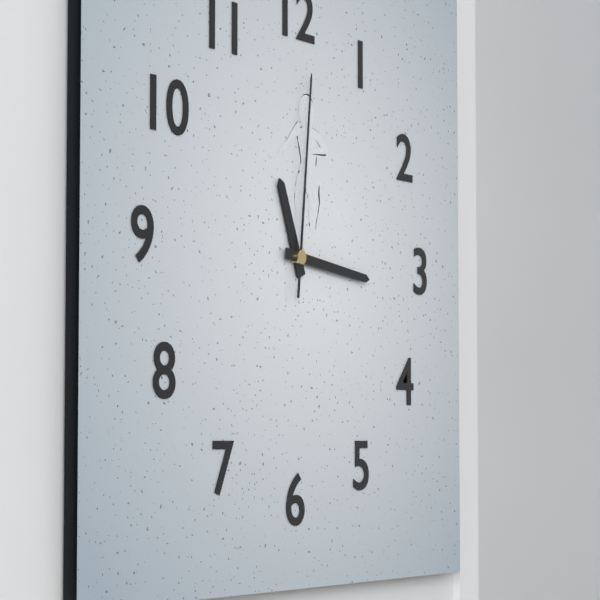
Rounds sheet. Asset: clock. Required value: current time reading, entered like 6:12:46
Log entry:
11:16:01
